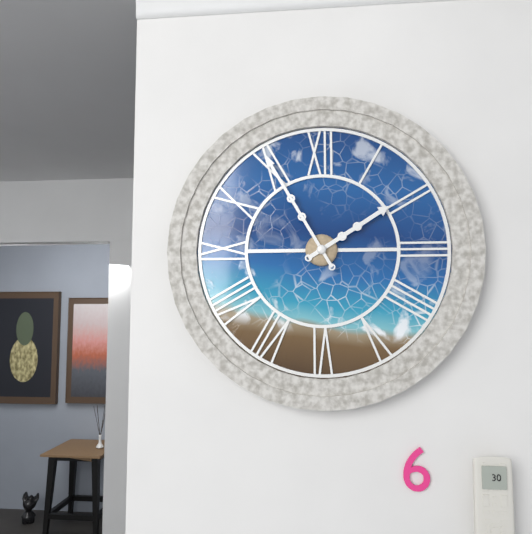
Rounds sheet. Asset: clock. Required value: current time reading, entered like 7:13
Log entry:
1:55
